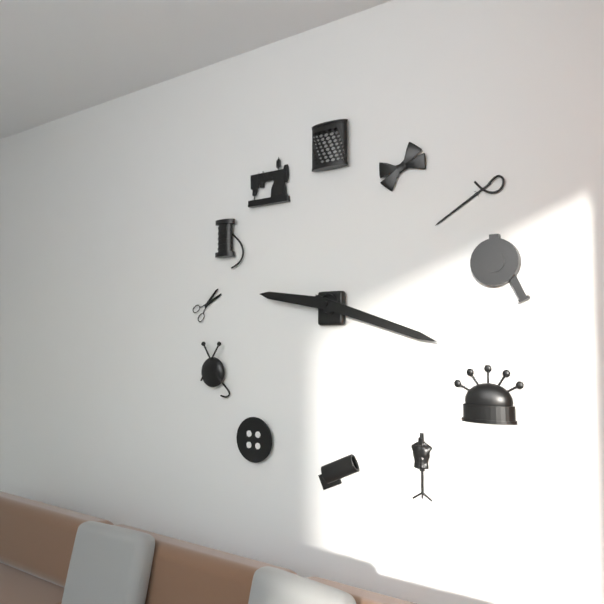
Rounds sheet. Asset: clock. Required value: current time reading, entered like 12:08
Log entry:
9:18
